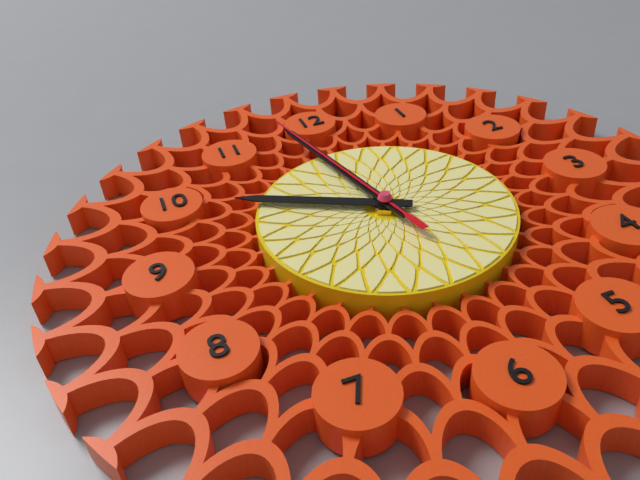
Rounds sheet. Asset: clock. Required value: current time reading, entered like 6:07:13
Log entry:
9:58:58
